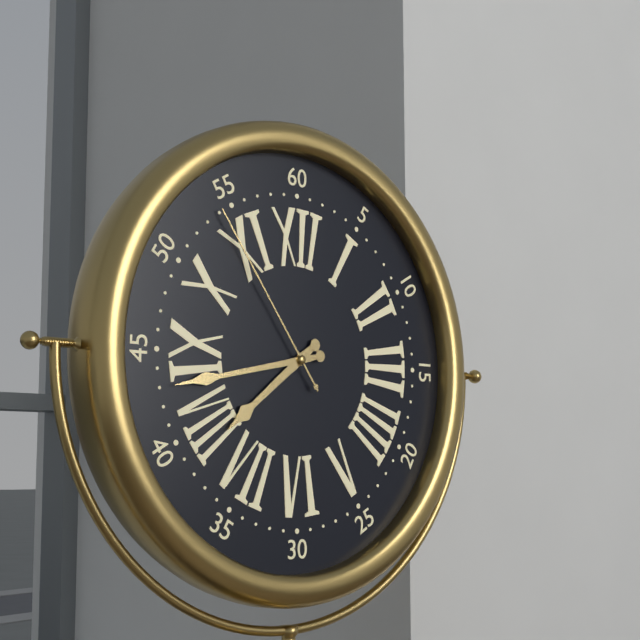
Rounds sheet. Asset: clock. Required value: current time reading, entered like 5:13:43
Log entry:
7:43:54
